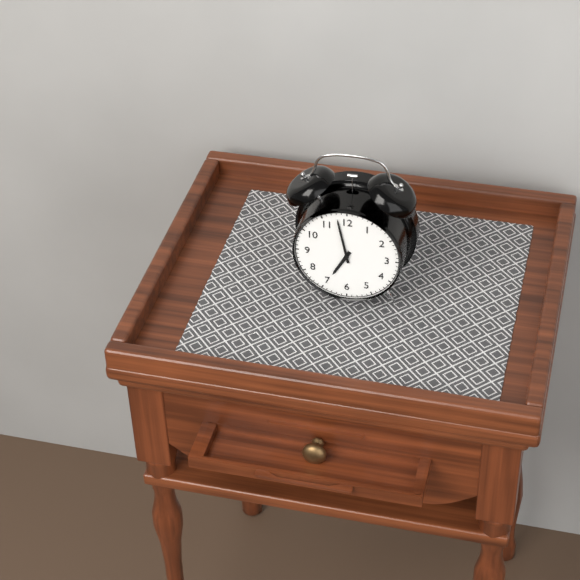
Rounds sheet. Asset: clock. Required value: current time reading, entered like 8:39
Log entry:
6:58
